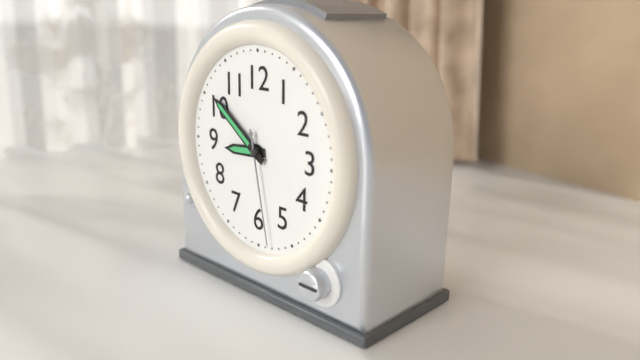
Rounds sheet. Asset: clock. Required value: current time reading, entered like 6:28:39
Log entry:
8:51:28
